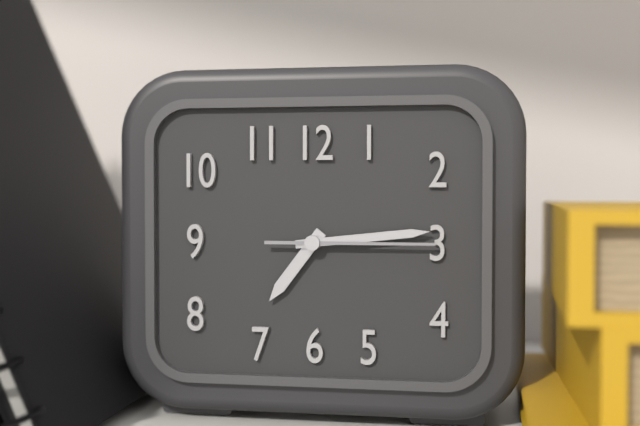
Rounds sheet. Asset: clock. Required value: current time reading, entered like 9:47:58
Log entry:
7:14:15
